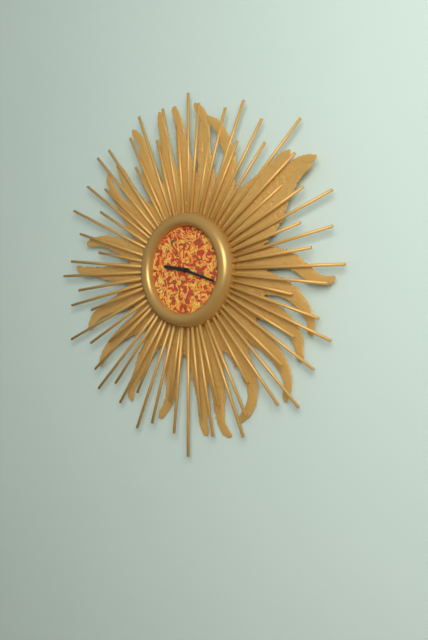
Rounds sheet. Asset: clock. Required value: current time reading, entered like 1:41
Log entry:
9:18
